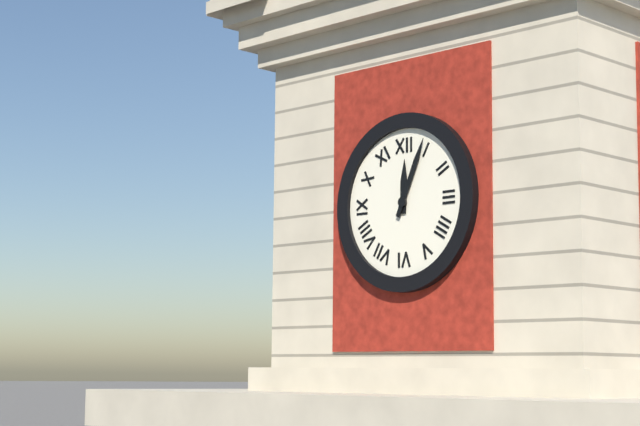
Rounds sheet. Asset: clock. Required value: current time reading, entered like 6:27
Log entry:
12:04
